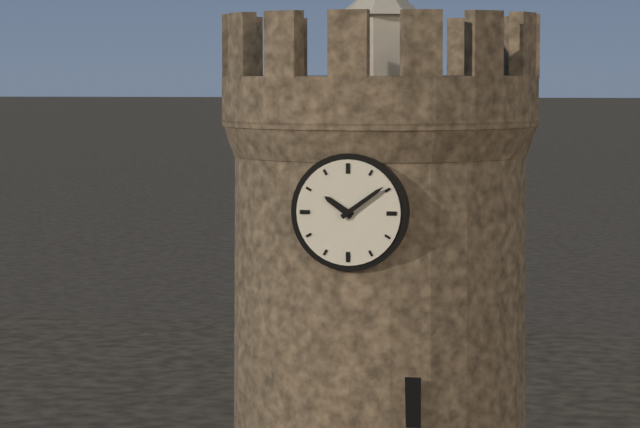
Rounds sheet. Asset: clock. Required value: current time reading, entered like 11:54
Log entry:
10:09
